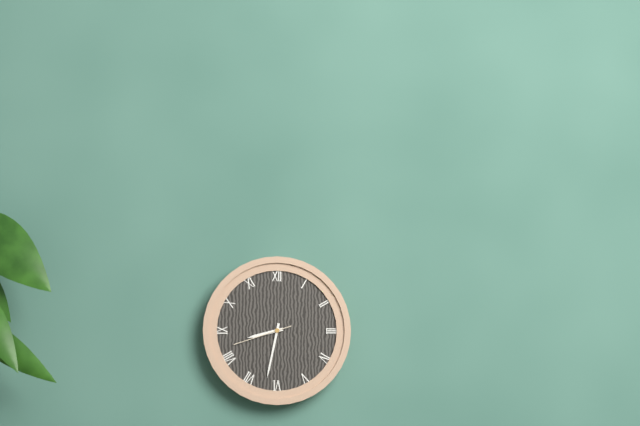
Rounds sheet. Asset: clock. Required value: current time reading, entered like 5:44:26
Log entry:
8:32:42
